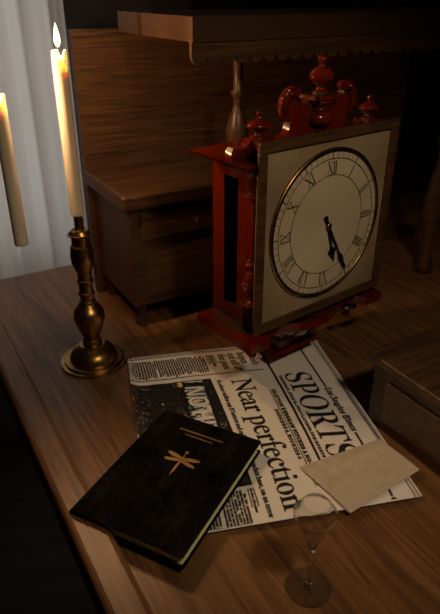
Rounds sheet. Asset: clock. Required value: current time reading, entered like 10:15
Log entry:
5:25
